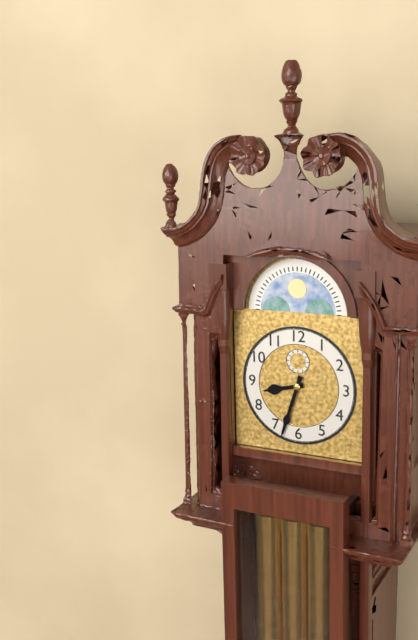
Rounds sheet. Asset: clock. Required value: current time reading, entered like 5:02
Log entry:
8:33
